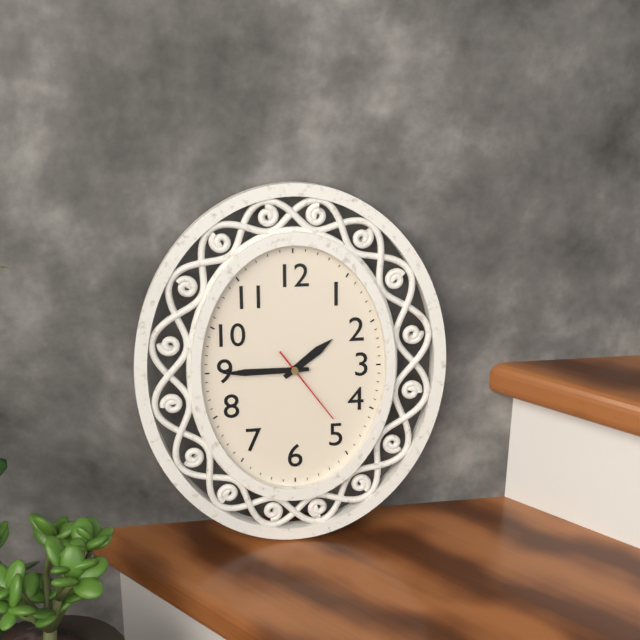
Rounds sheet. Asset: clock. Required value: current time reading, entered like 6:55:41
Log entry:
1:45:24
